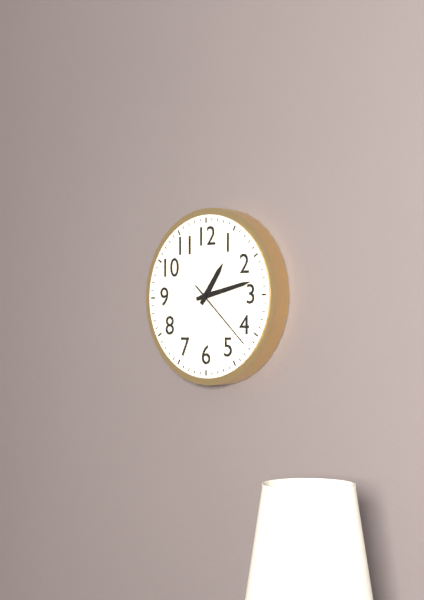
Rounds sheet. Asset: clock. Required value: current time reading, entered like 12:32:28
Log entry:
1:13:22
